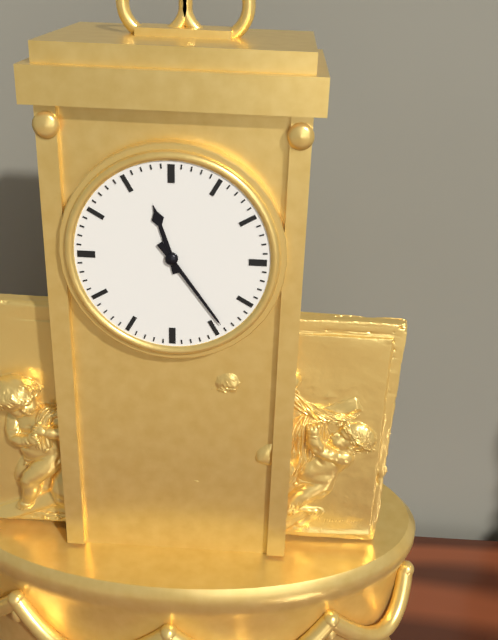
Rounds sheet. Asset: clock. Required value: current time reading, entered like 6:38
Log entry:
11:24
